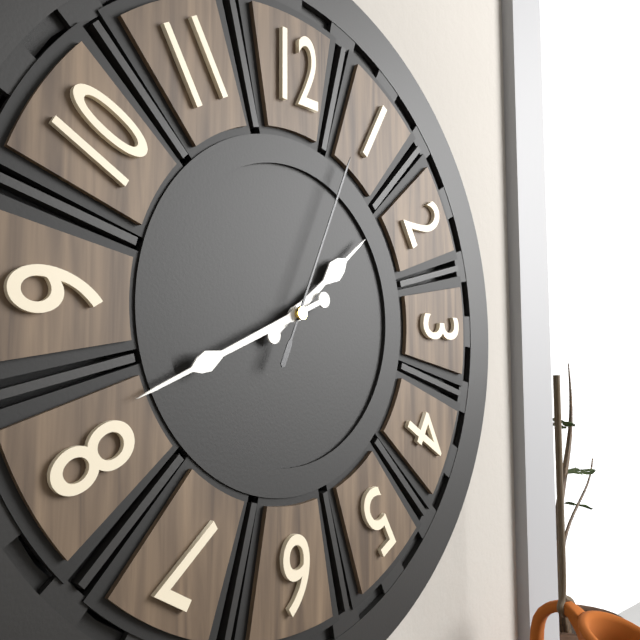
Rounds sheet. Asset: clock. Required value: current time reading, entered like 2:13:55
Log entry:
1:41:04
